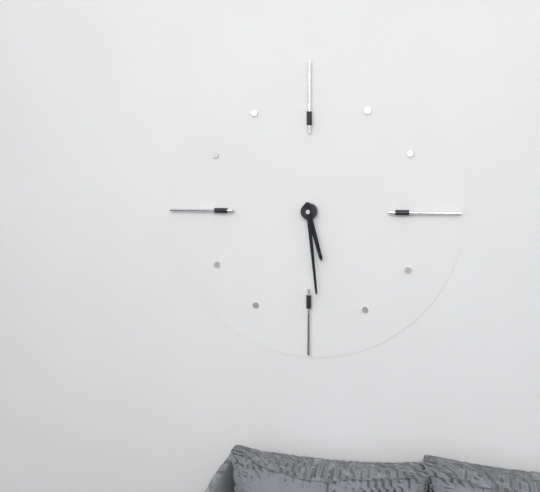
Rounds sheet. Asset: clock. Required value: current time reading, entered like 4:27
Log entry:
5:29
